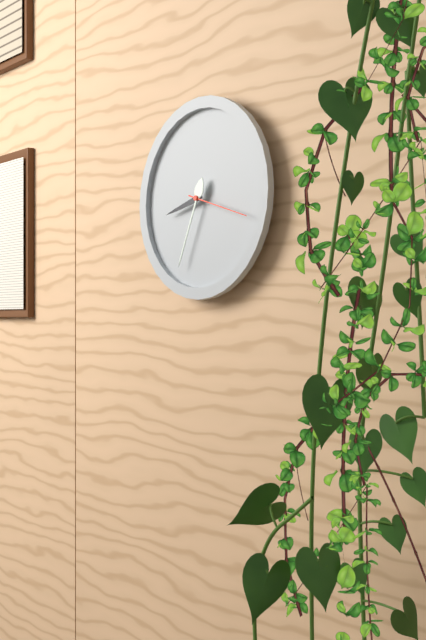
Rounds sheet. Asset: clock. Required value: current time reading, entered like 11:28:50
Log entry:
8:34:18
